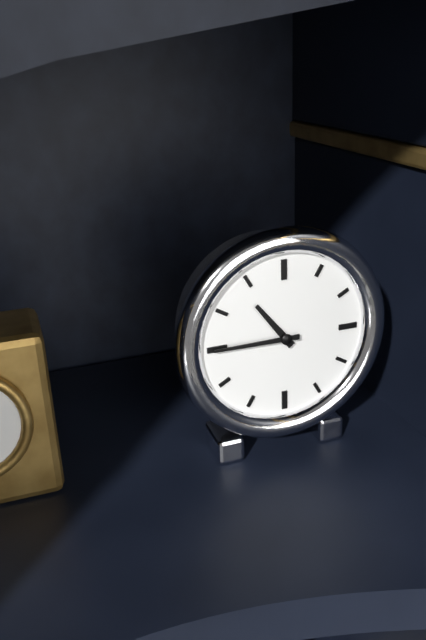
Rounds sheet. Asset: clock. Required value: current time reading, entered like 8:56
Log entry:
10:45
